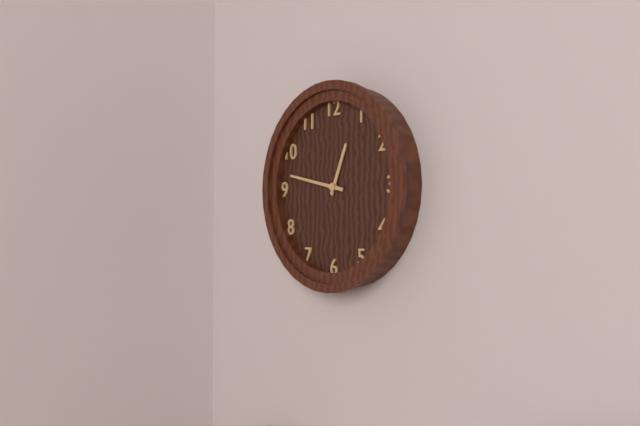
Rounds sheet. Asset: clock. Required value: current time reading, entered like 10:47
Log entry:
12:47
